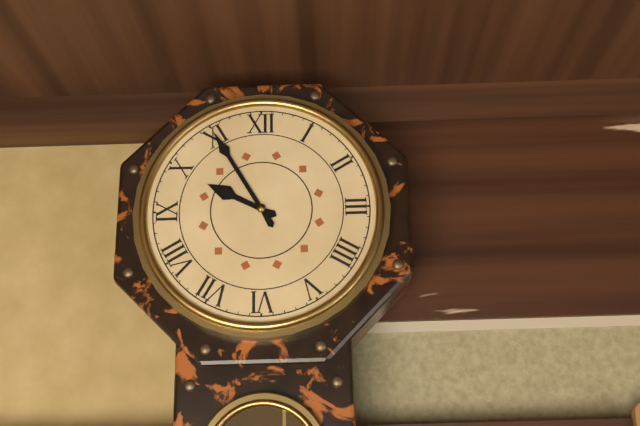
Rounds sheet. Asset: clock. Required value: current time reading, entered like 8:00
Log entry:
9:55
